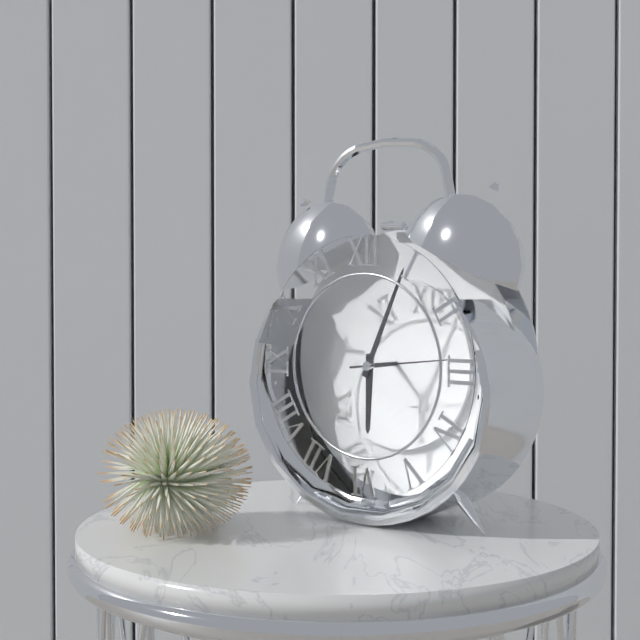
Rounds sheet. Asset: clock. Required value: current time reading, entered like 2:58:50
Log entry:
6:04:14
